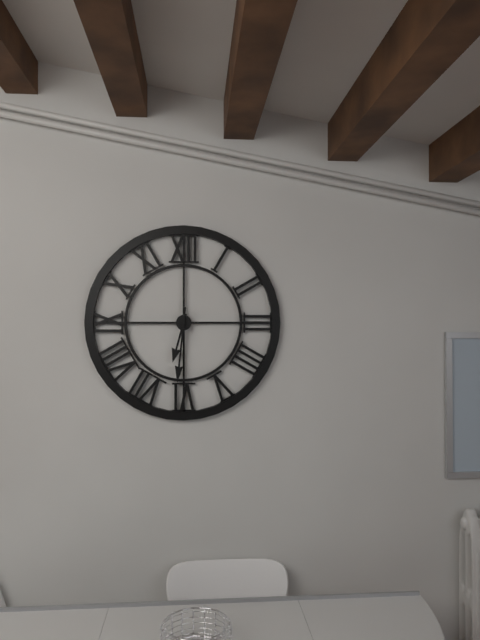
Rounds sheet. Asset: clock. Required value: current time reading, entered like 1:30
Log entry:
6:31
